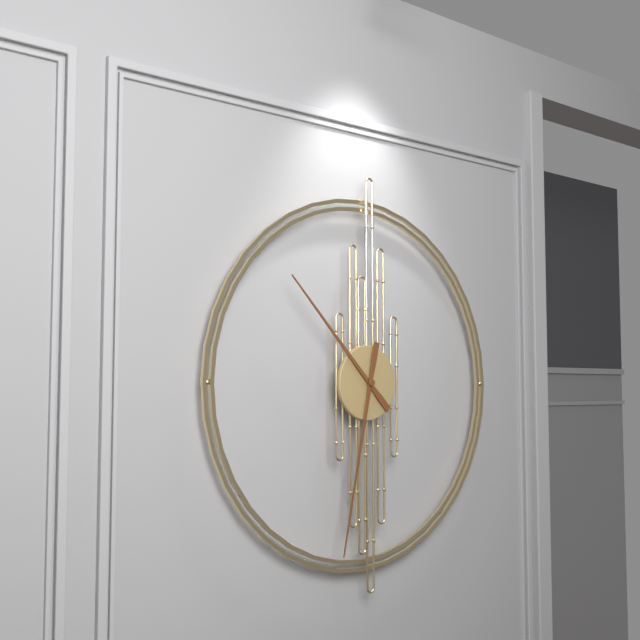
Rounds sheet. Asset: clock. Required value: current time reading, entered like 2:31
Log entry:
10:32
